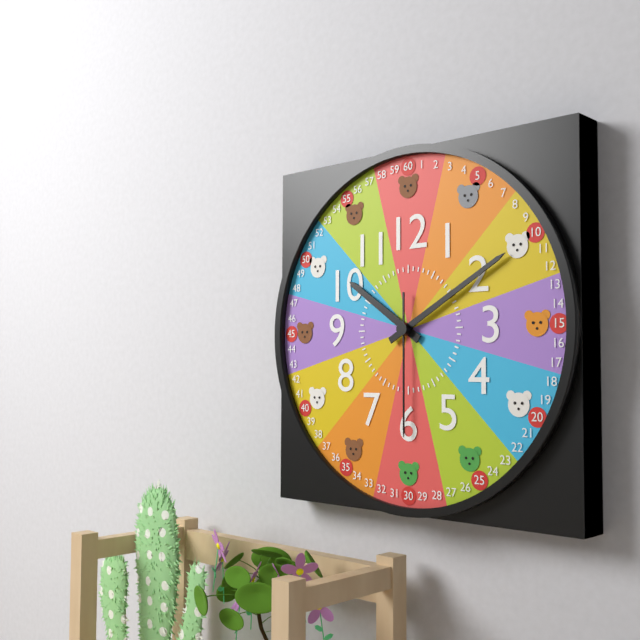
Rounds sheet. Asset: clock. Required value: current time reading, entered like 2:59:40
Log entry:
10:10:30
